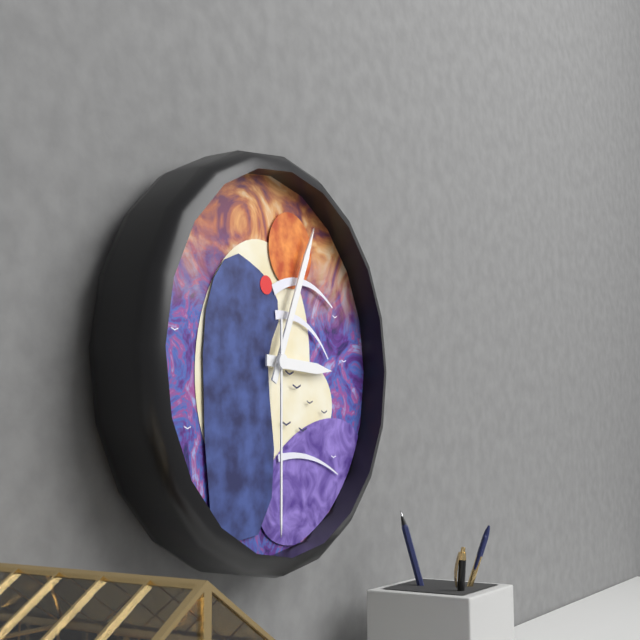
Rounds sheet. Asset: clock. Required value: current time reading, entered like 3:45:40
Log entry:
3:04:30
